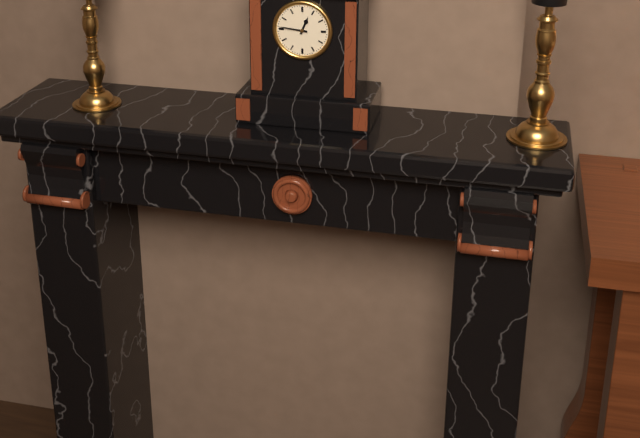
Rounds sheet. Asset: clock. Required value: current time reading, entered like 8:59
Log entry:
12:46
